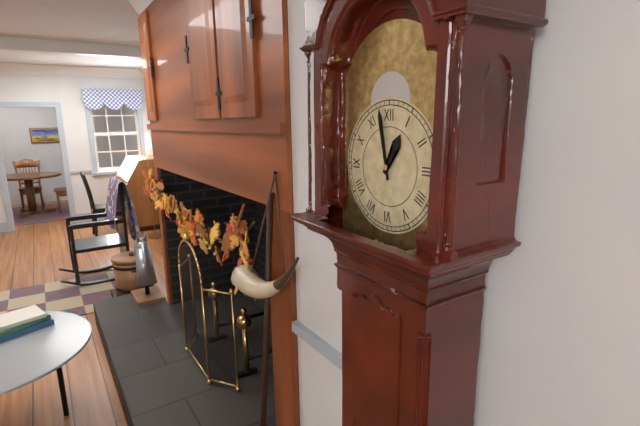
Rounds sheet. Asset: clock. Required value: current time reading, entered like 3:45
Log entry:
12:58
